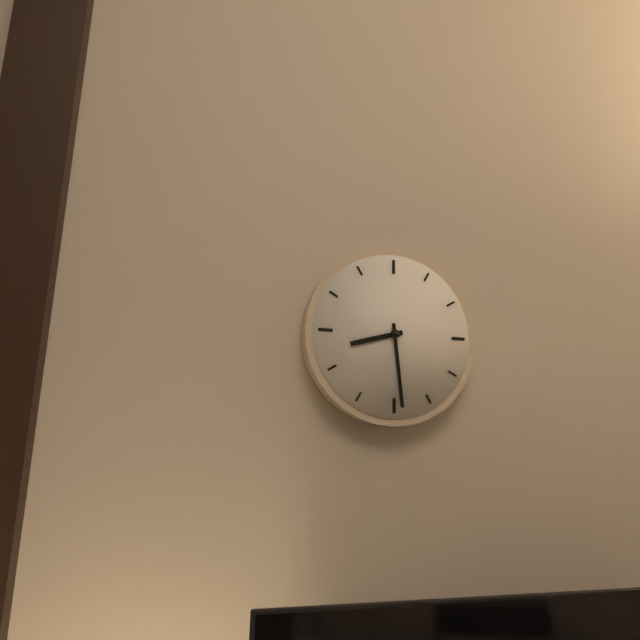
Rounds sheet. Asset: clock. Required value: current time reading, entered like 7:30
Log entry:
8:29
